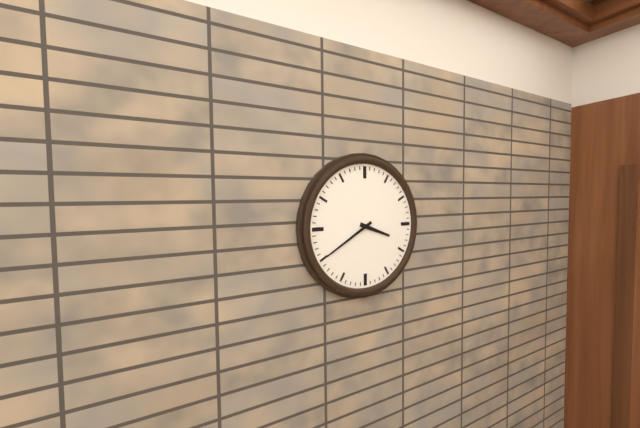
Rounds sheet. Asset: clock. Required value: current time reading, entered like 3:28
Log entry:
3:40
